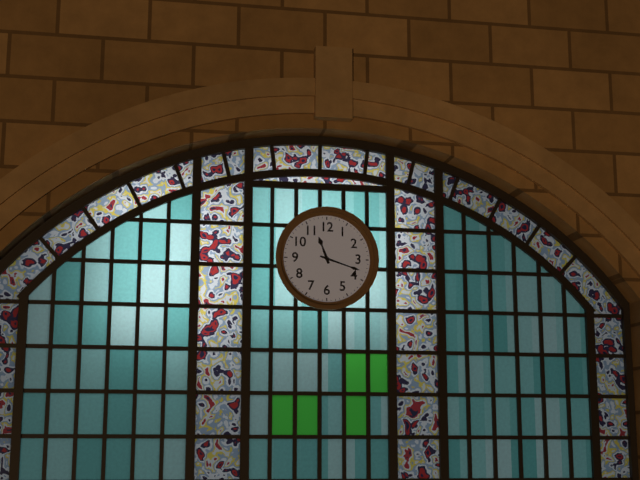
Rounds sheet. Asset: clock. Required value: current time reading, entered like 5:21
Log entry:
11:18
